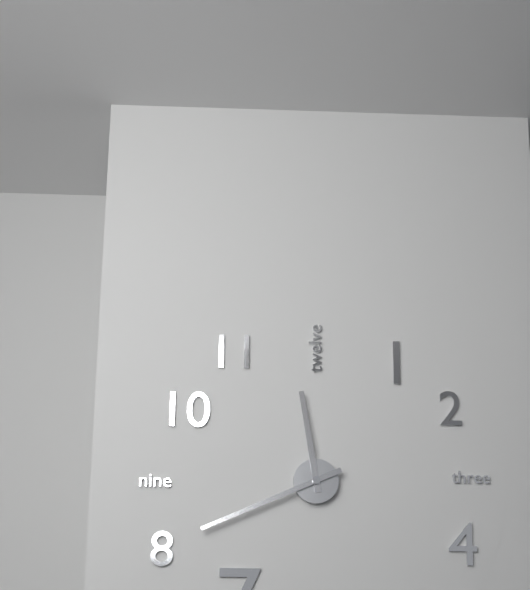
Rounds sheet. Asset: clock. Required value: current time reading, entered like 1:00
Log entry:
11:41
